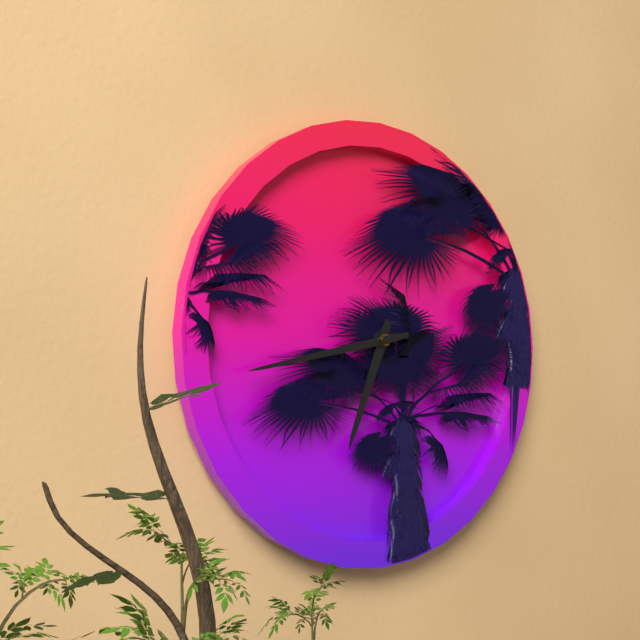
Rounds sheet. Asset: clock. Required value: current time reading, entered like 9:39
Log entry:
6:43
